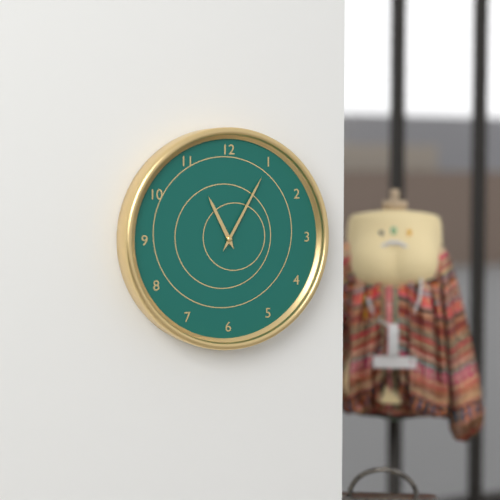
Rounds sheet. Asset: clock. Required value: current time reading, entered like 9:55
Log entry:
11:05
